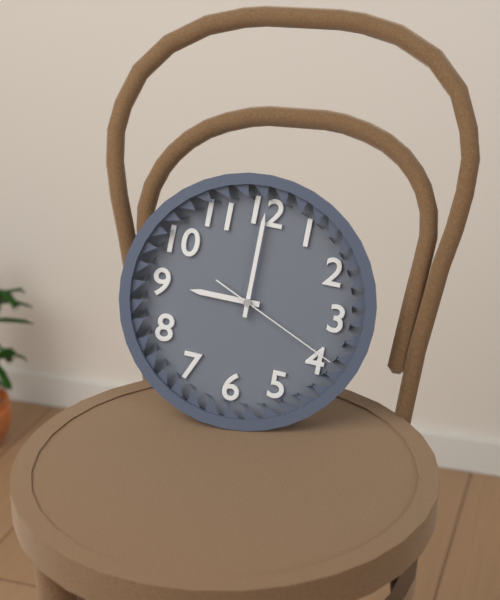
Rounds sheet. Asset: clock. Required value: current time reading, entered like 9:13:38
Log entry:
9:00:19
